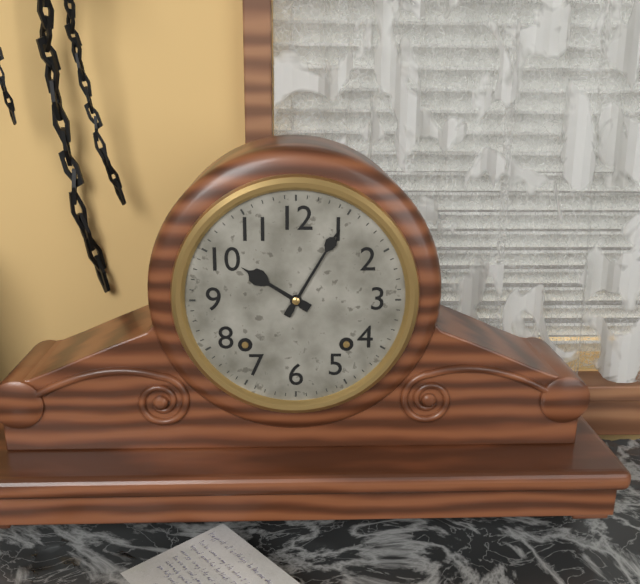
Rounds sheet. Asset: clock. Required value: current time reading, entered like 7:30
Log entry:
10:05
